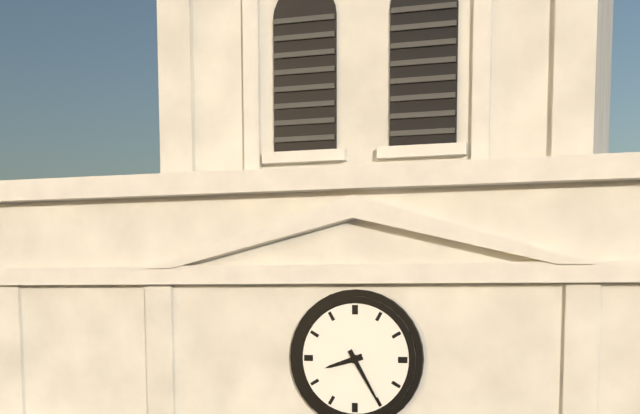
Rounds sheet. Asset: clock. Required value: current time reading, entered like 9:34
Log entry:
8:25
